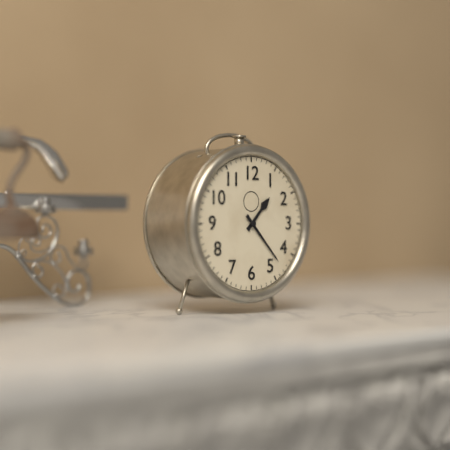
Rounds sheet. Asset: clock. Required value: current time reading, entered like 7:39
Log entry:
1:23
